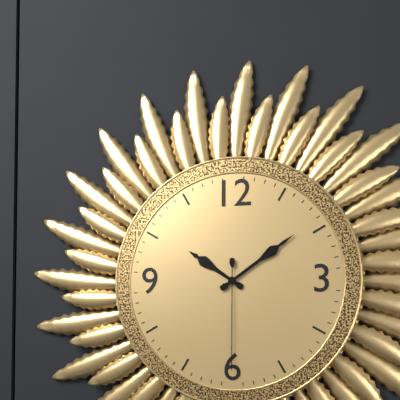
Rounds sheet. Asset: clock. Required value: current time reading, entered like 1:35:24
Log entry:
10:09:30
